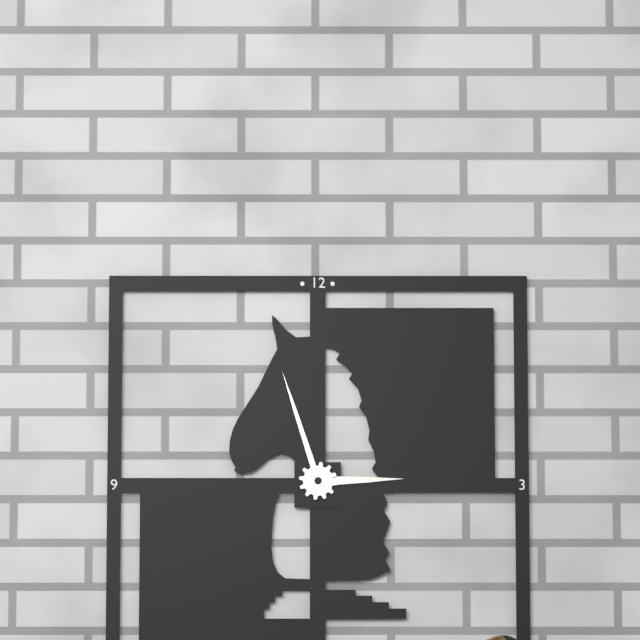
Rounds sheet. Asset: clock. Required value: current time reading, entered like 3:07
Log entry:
2:57
